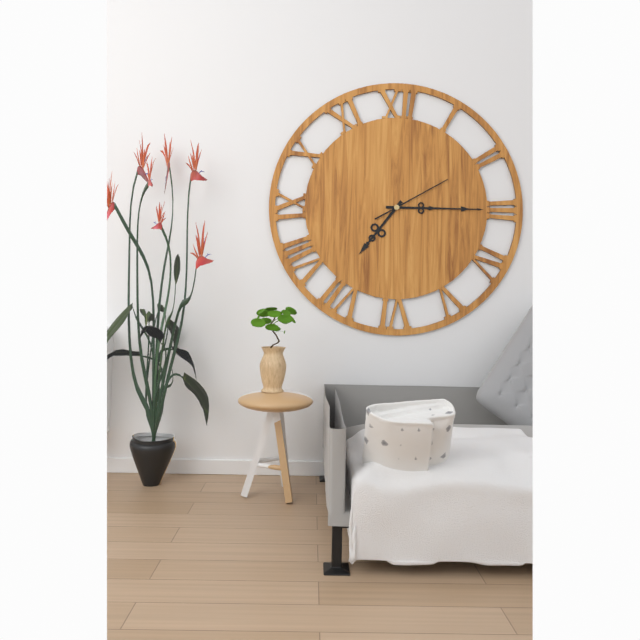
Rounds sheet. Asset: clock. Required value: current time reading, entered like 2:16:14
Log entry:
7:15:10
